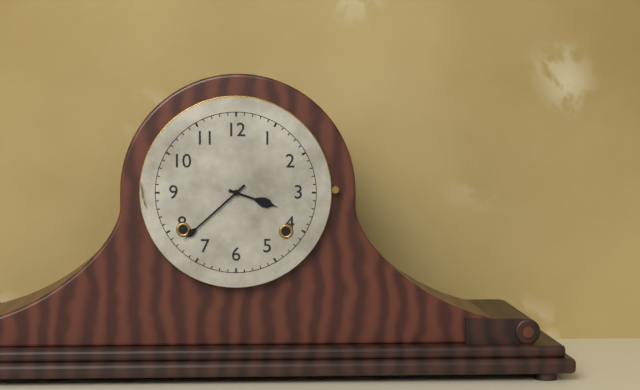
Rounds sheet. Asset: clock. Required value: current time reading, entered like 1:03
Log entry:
3:38
